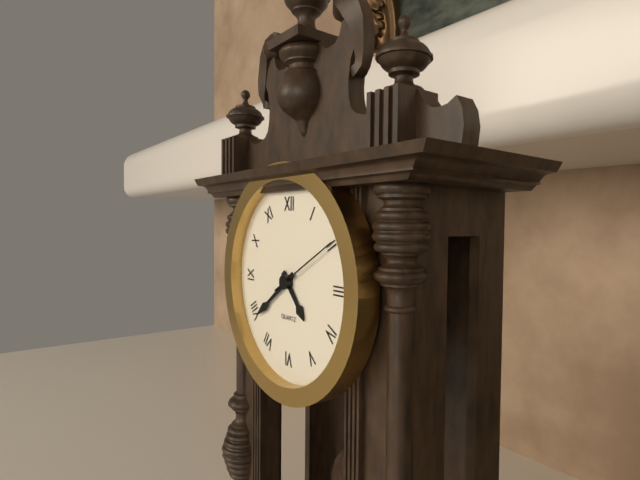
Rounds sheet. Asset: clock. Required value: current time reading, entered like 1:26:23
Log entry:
4:39:10
